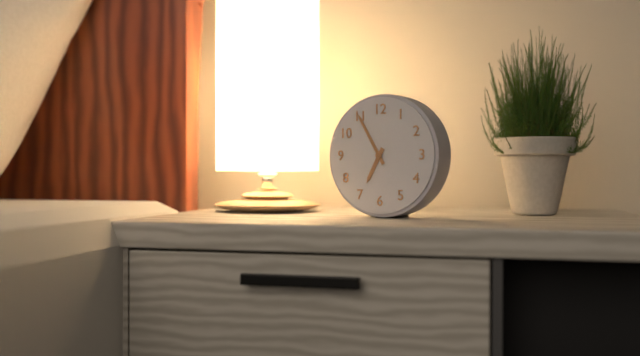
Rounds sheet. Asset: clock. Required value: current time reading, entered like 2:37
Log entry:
6:55
